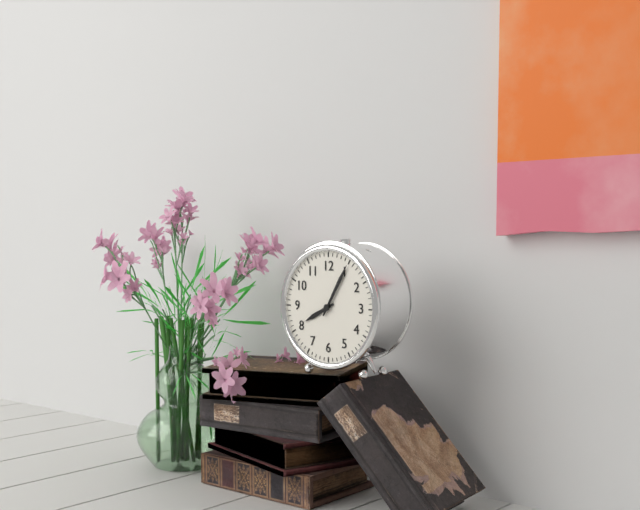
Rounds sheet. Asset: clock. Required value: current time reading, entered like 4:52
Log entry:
8:05
